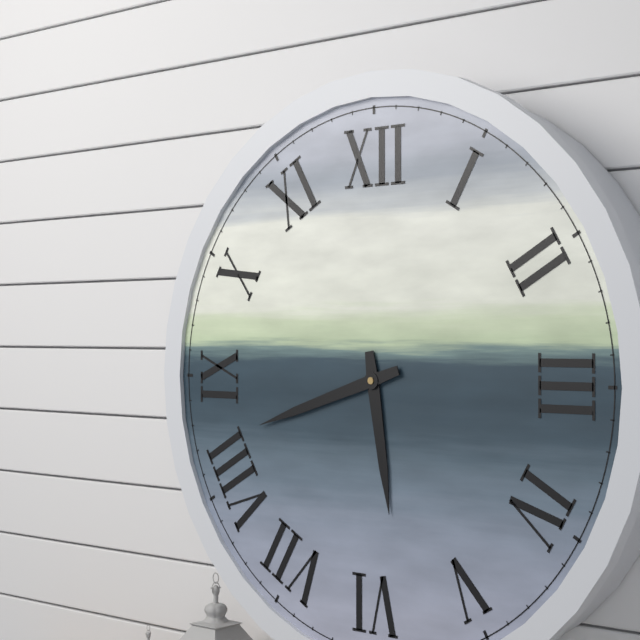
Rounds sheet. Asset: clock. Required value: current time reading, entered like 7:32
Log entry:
5:42
